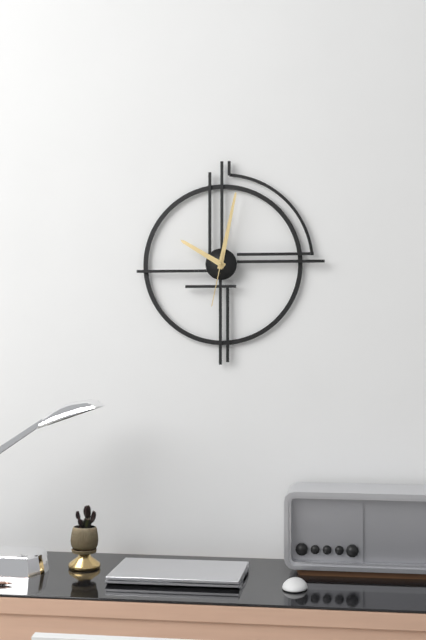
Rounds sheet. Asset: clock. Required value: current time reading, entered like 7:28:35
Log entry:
10:02:32
